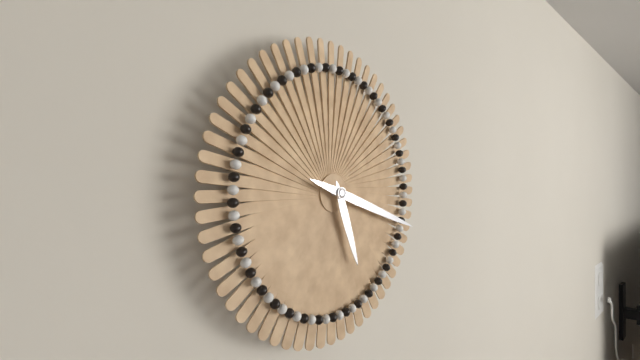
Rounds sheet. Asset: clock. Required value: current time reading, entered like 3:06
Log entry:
5:18
